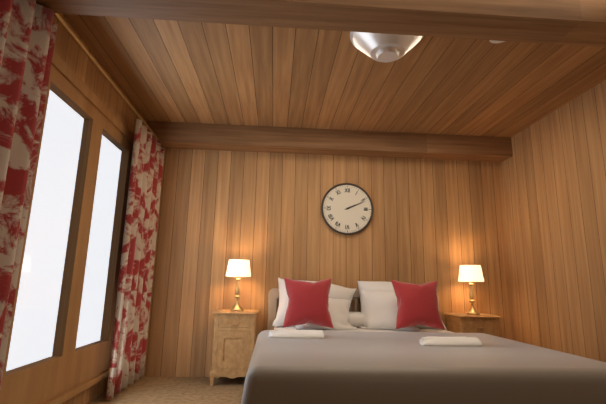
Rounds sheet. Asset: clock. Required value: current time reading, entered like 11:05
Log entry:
2:11
